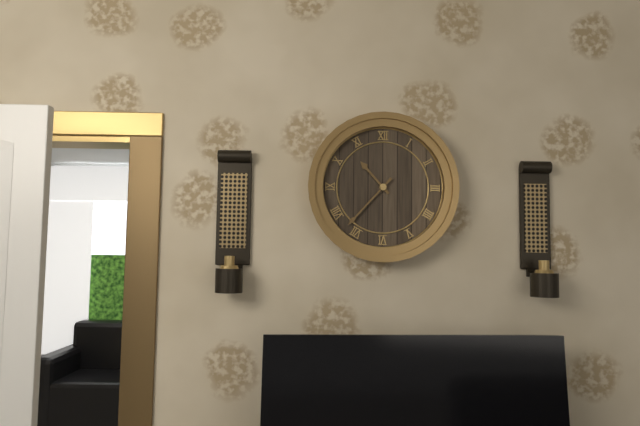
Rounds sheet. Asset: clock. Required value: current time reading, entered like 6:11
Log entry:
10:37
